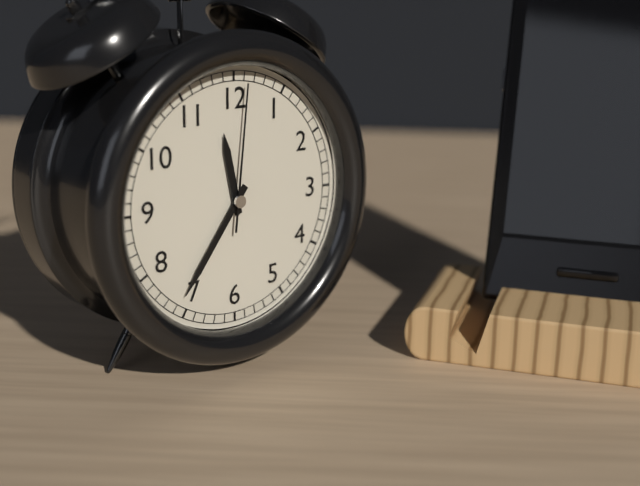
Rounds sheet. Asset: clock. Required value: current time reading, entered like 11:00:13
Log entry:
11:36:01
